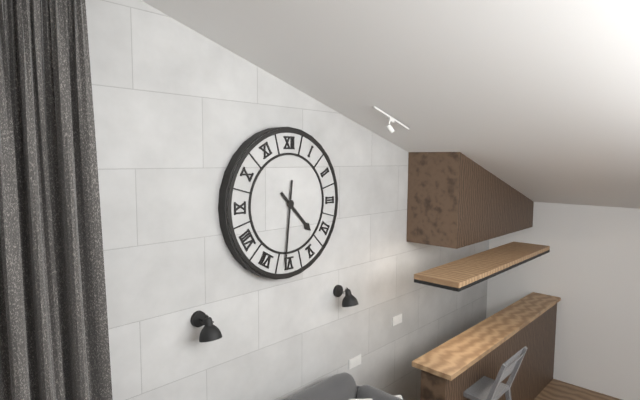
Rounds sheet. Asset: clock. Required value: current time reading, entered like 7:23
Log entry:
4:31
